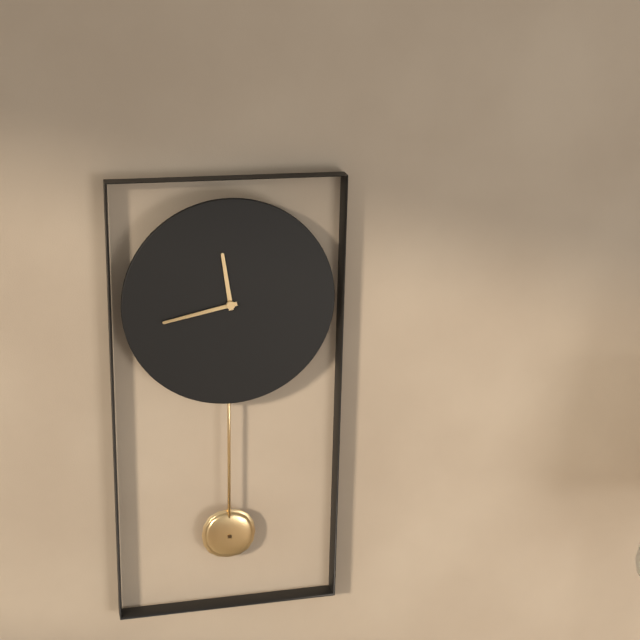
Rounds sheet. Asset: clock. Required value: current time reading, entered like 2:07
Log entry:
11:43
